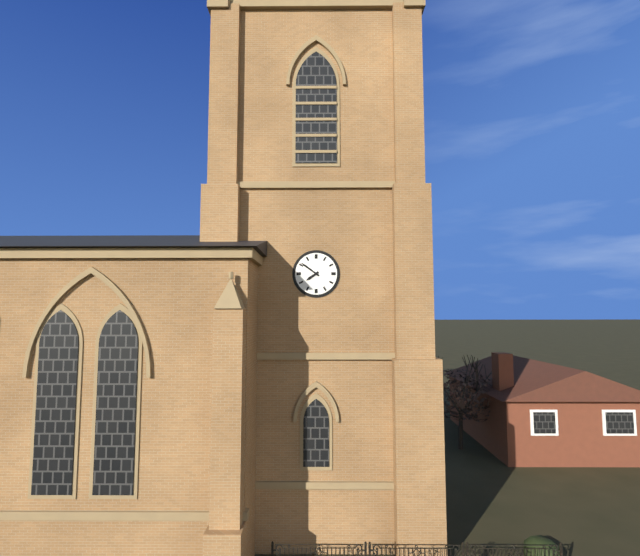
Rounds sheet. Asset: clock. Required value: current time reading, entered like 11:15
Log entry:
7:51
